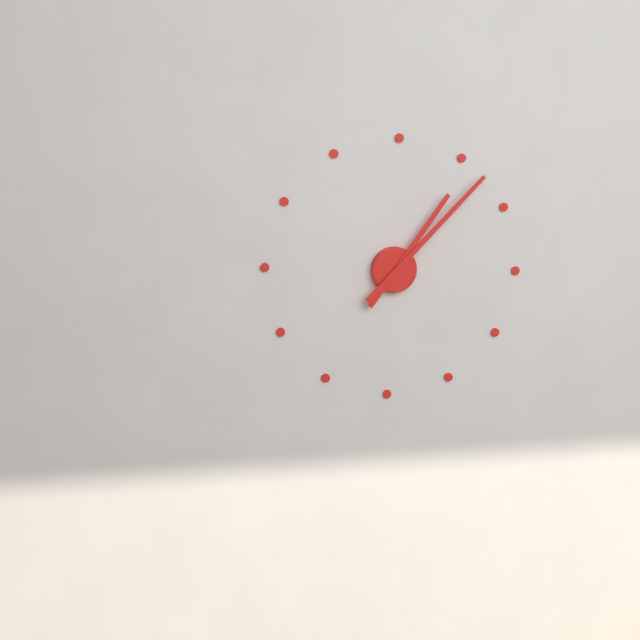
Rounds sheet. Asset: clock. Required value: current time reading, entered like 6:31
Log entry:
1:07
